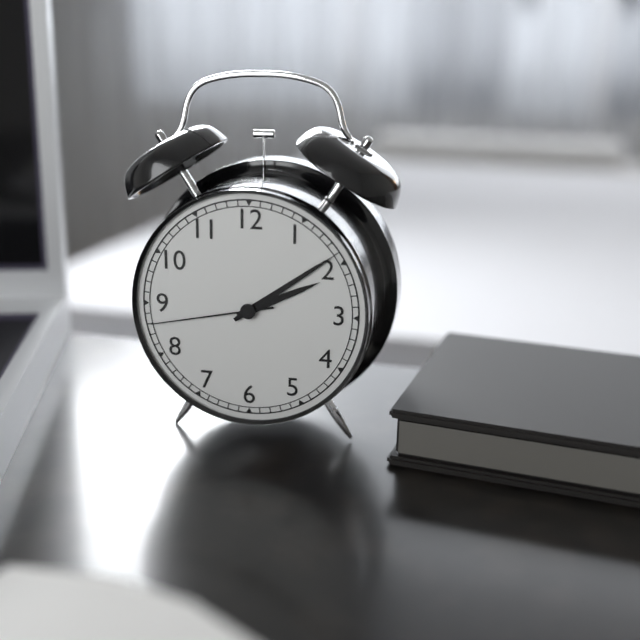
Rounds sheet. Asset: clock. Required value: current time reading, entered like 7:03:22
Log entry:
2:09:43
